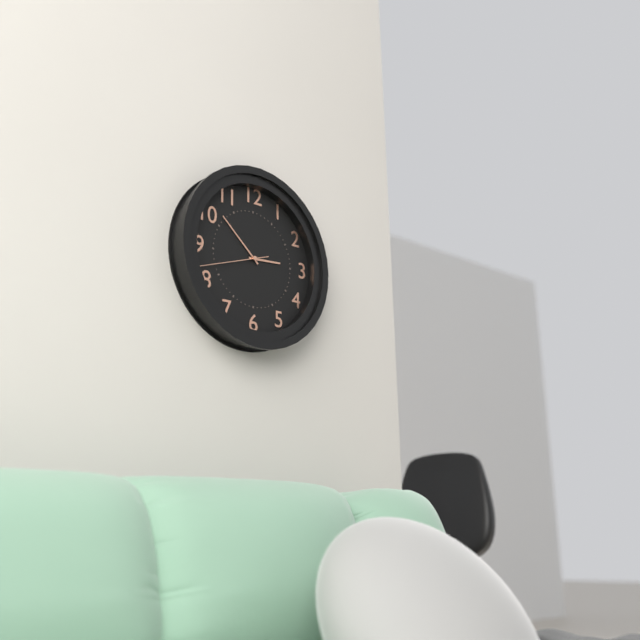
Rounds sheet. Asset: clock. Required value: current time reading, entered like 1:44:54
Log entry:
2:52:42
